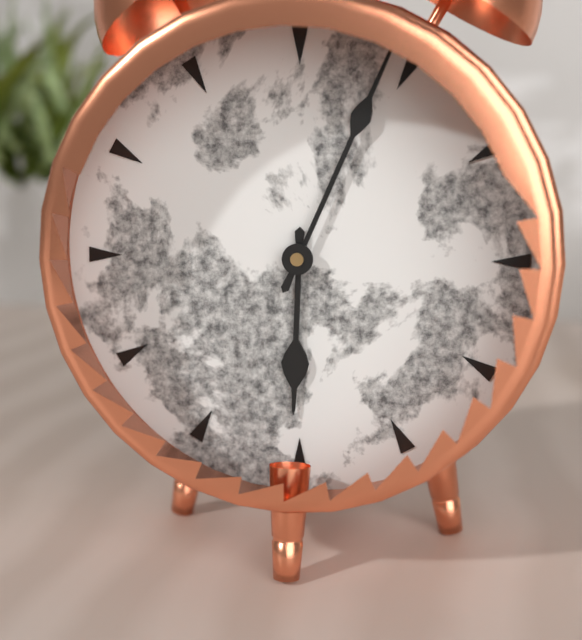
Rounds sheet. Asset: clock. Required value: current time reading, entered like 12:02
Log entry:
6:04
